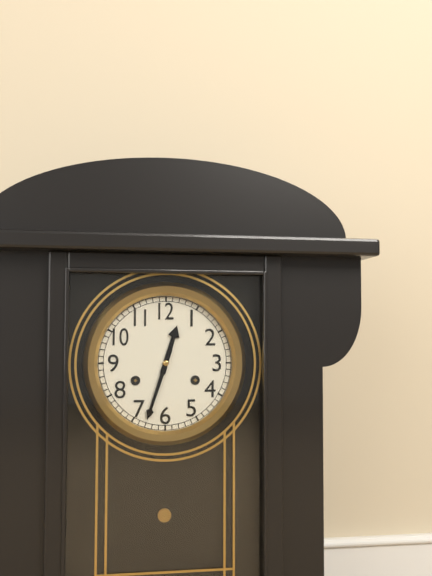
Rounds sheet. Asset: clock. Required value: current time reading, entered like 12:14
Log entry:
12:33
